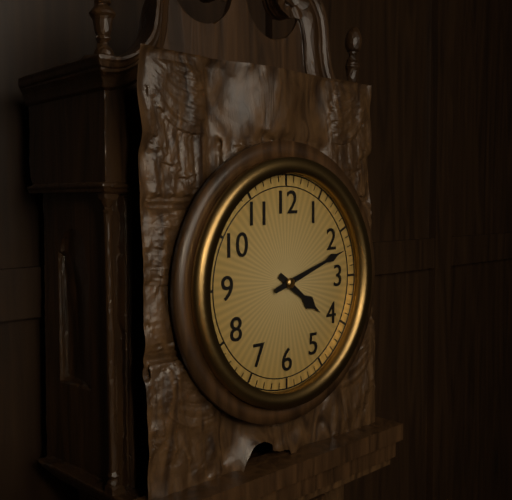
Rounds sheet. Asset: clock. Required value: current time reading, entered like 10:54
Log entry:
4:12
